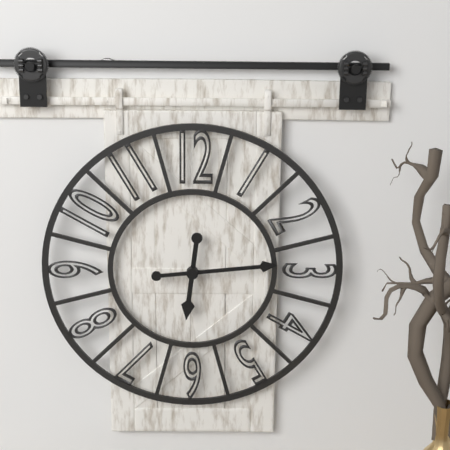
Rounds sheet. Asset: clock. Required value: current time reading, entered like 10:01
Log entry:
6:14
